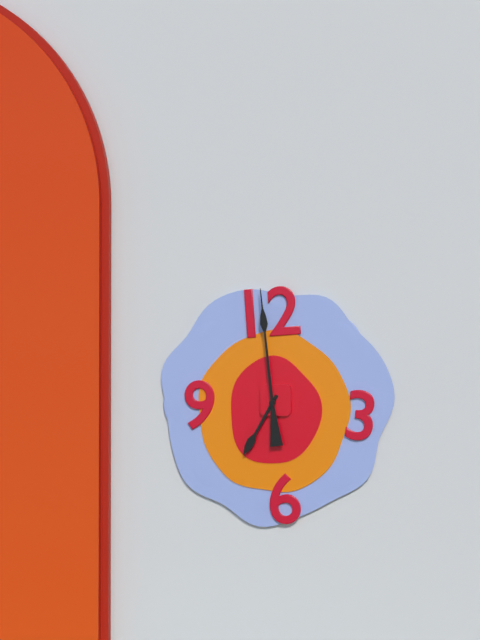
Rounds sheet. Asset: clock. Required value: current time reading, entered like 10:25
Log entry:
6:59
